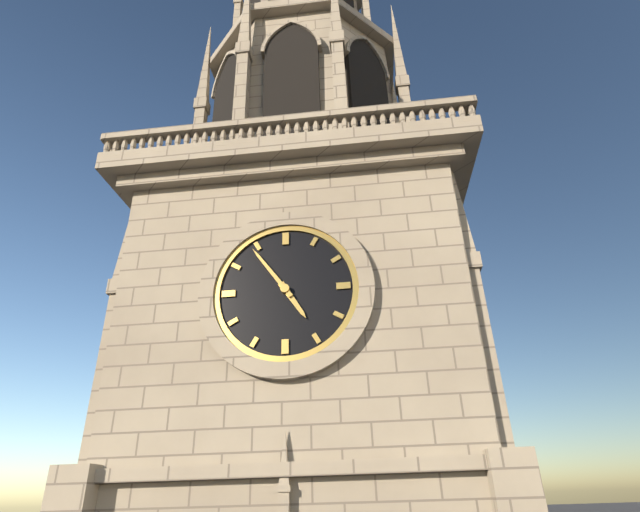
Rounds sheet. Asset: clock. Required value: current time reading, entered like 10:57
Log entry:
4:54
